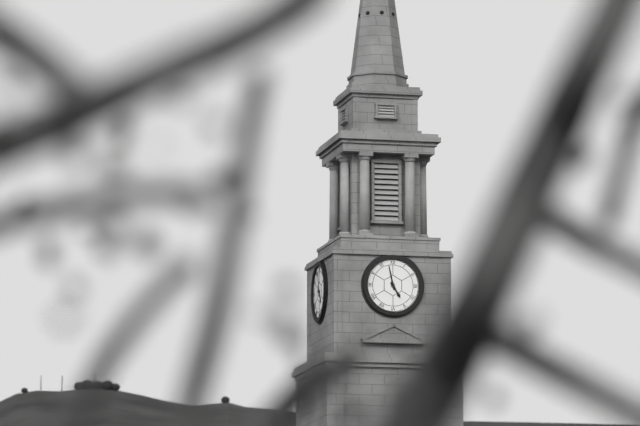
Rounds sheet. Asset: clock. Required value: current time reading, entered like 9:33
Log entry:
4:58
